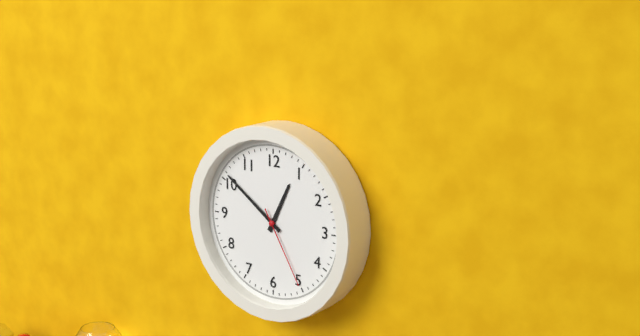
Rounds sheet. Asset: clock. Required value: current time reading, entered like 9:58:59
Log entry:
12:51:25
